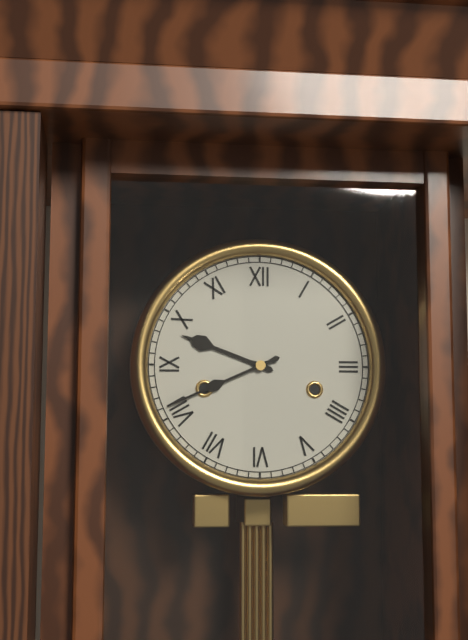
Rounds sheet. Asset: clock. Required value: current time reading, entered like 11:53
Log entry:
9:41
